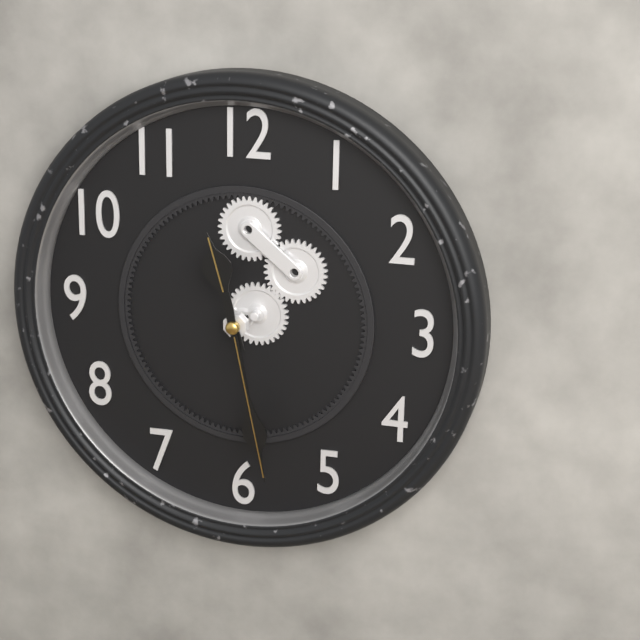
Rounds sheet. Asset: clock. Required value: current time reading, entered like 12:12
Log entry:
11:28
